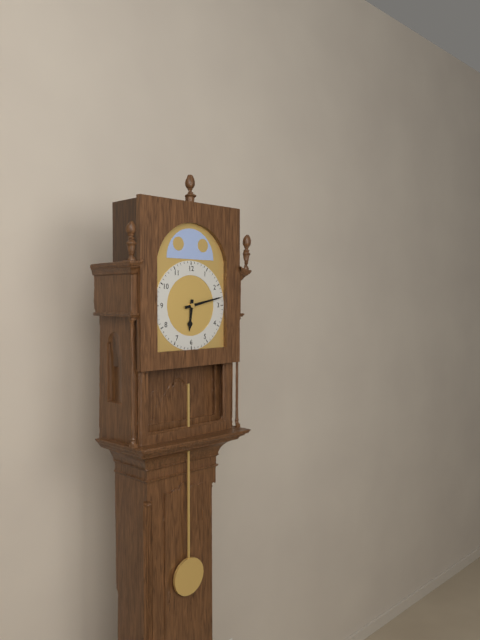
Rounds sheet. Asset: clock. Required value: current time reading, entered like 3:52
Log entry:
6:13
